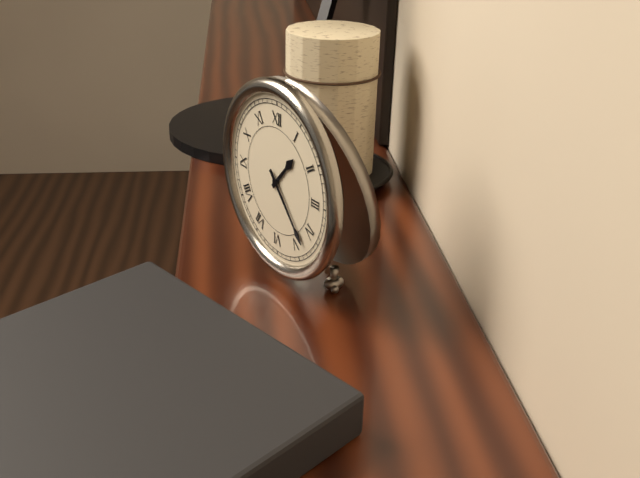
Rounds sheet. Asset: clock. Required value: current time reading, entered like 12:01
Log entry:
1:23
